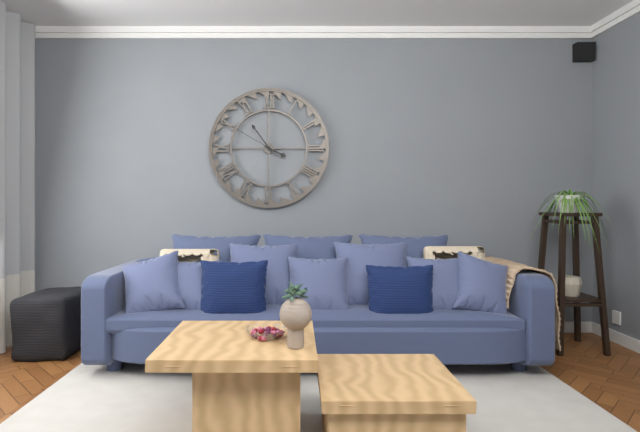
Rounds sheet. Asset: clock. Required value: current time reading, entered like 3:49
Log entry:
3:54
